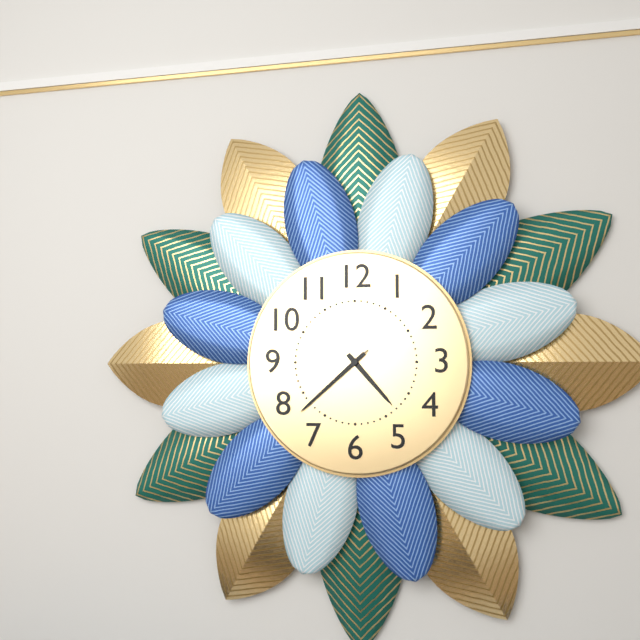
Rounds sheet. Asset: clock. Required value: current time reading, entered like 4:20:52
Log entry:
4:38:38
